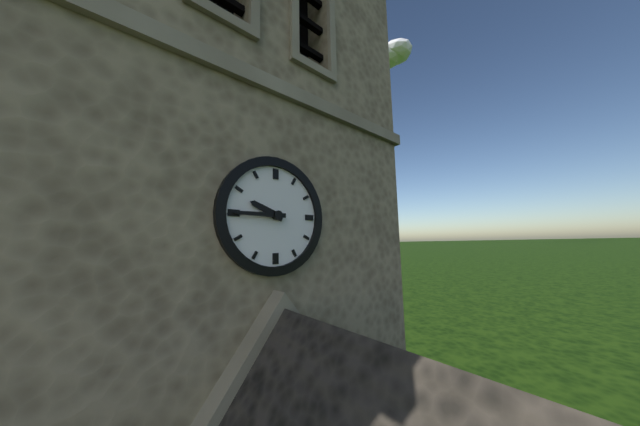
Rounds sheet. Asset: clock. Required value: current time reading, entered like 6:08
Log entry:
9:45
